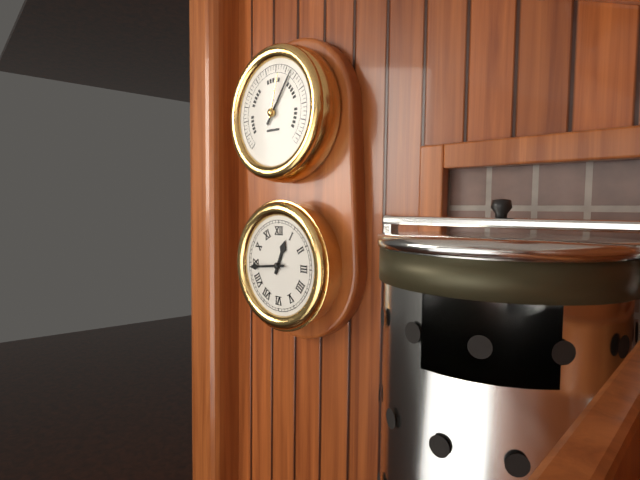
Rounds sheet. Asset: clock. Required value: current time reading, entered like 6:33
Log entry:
12:44
